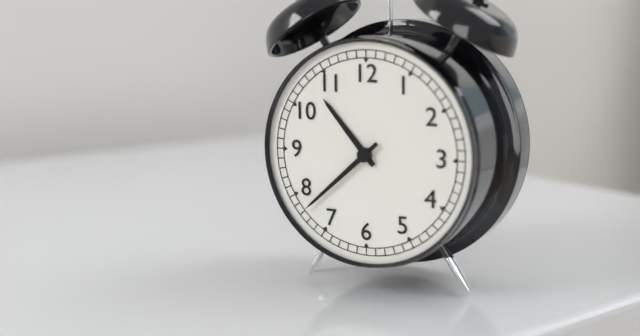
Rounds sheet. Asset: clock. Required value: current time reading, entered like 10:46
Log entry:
10:38
